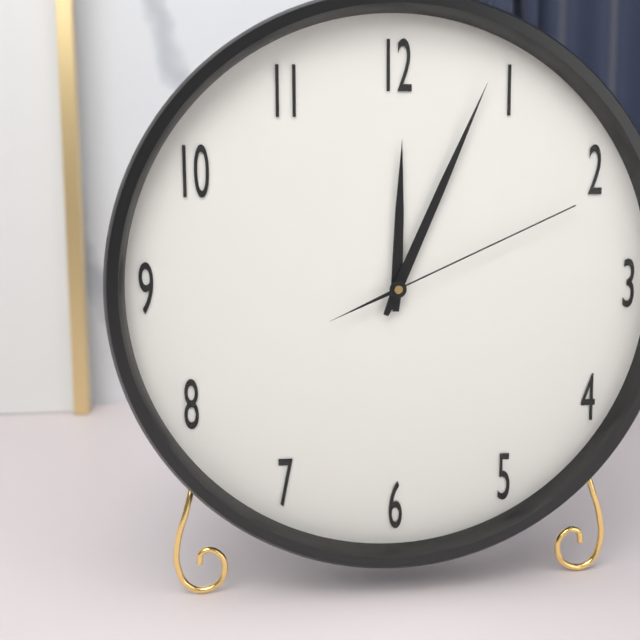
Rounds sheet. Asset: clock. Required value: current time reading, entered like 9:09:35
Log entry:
12:04:11
